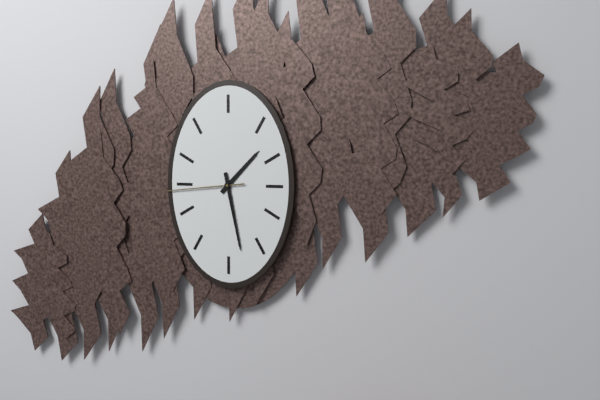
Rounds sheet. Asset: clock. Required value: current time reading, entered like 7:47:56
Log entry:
1:28:44
